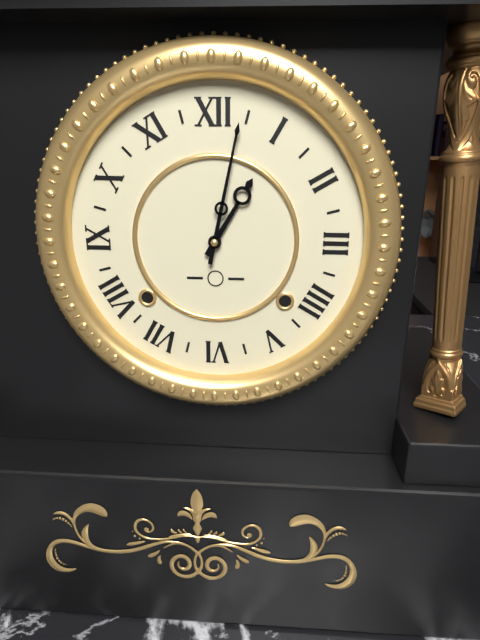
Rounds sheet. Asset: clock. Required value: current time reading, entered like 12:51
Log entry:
1:02
